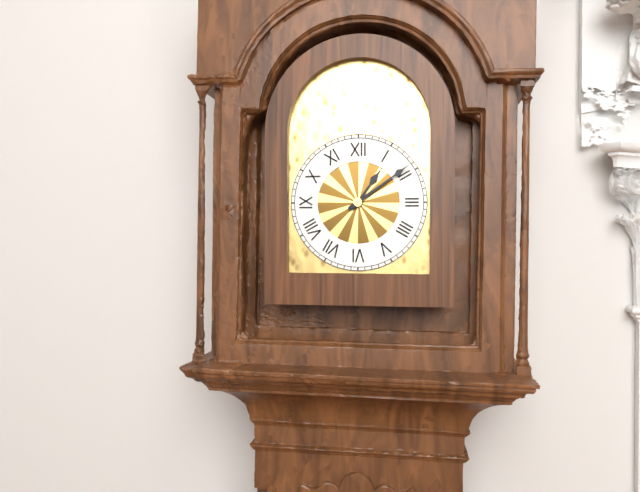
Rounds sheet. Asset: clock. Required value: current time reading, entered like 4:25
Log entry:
1:09
